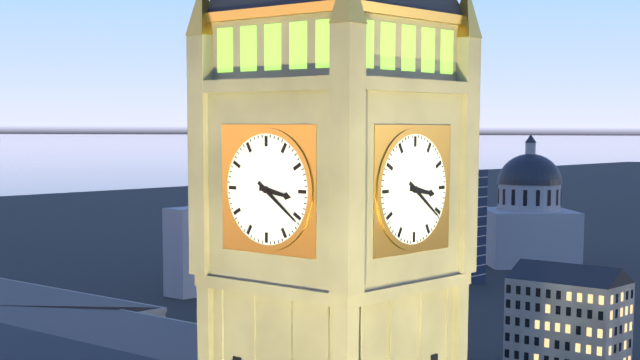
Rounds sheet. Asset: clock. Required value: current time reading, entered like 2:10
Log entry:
3:21
